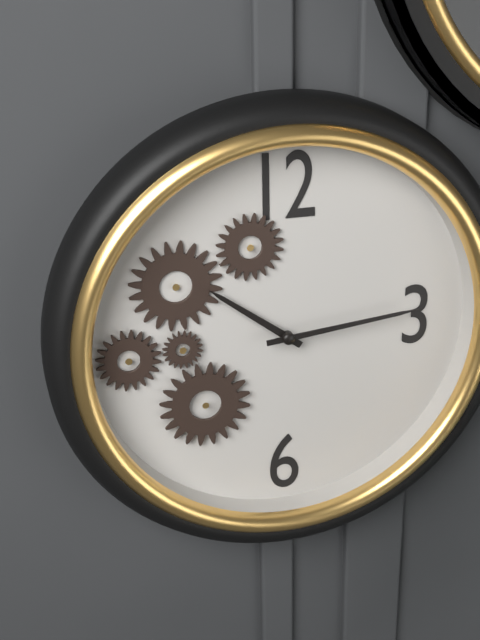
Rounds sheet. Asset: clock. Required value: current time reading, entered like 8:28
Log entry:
10:14
